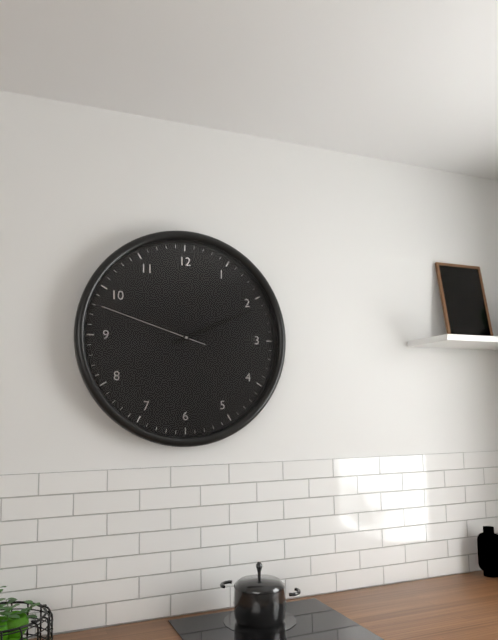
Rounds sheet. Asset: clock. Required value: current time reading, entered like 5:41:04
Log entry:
2:11:48
